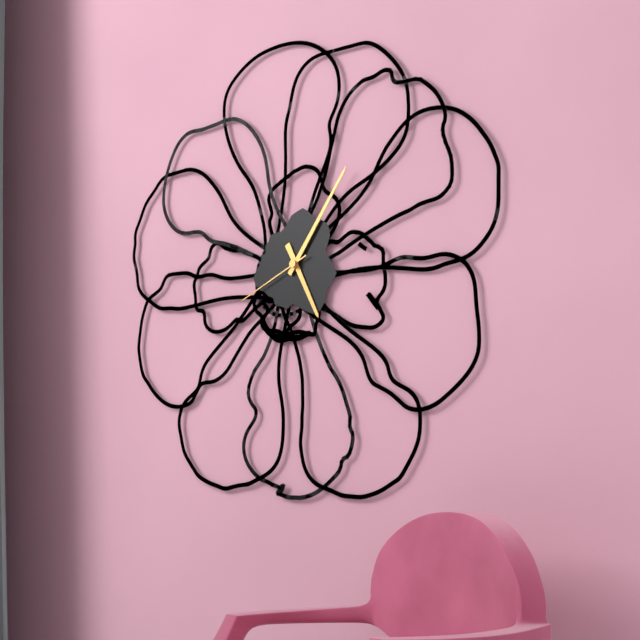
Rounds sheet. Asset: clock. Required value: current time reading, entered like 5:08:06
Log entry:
5:06:41
